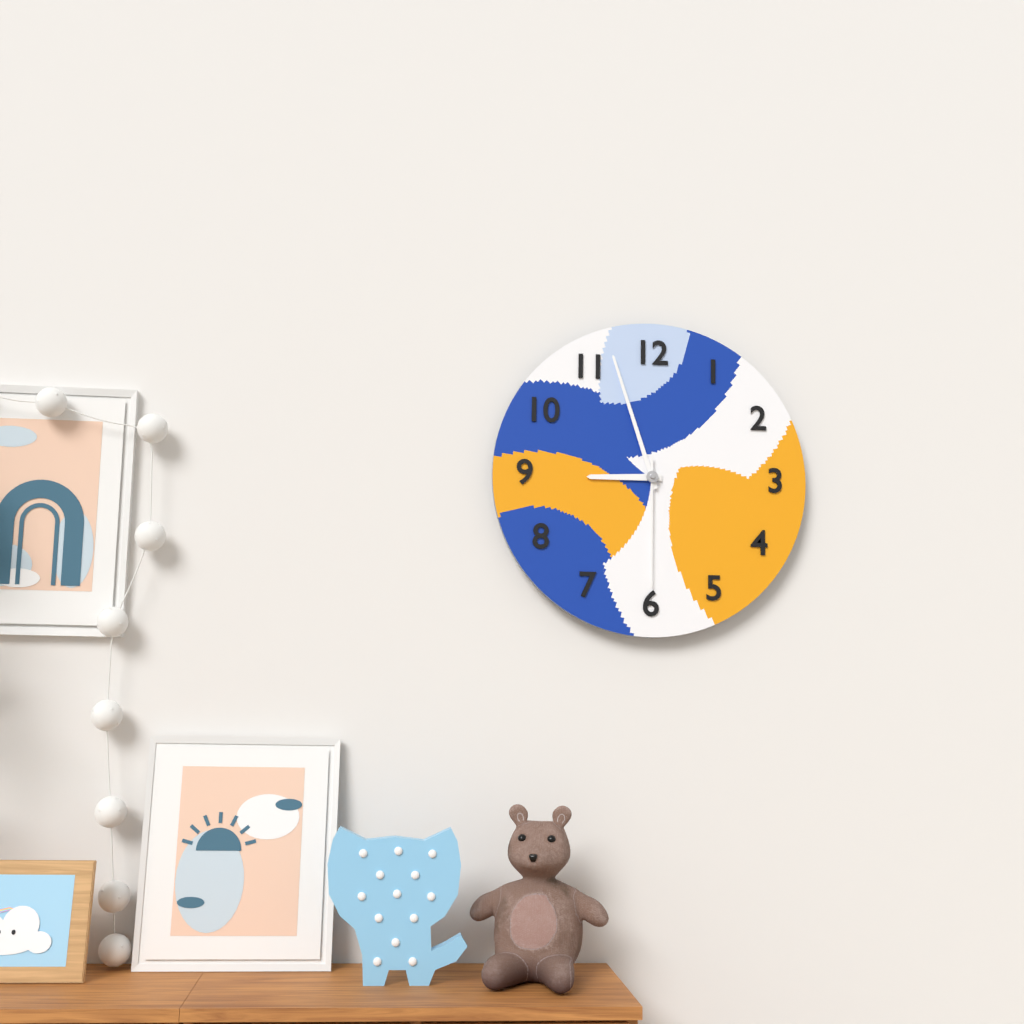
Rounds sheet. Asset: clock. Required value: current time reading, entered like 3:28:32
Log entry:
8:57:30
